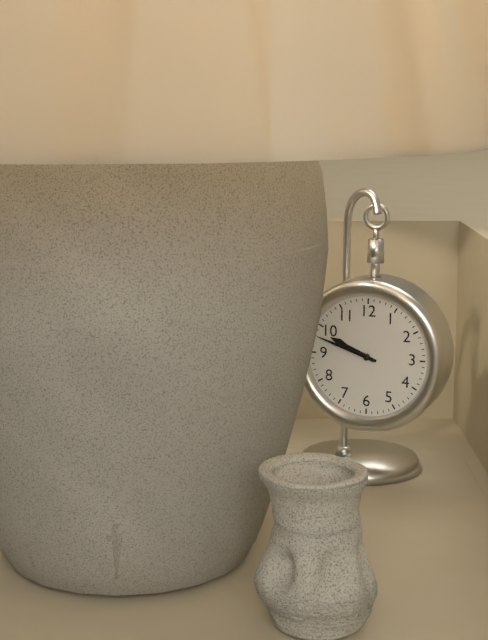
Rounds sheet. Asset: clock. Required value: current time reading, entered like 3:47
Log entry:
9:48
